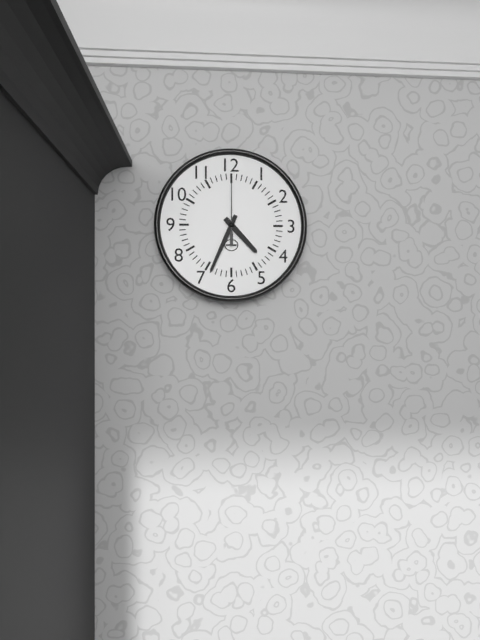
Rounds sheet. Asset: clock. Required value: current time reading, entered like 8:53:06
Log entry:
4:34:00
